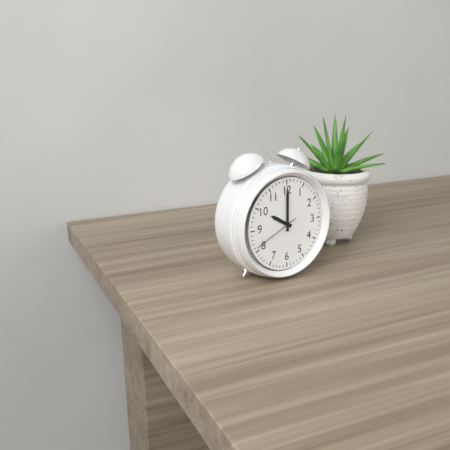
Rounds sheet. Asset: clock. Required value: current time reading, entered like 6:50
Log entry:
10:00
